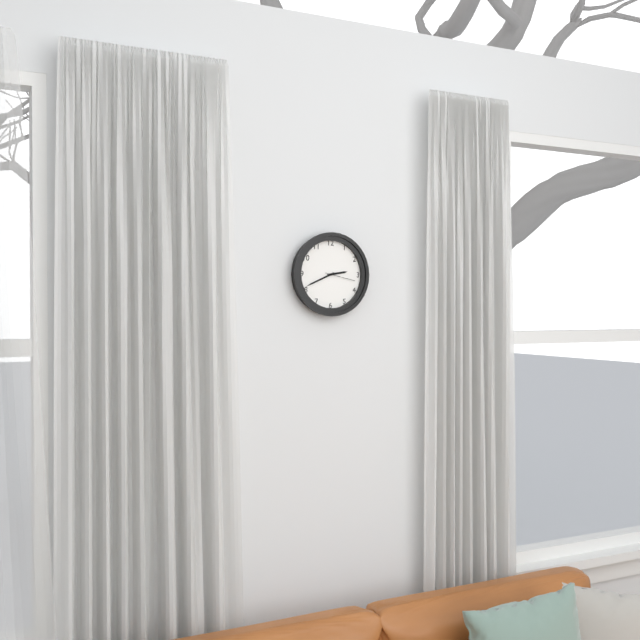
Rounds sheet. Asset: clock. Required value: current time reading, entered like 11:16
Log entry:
2:41
